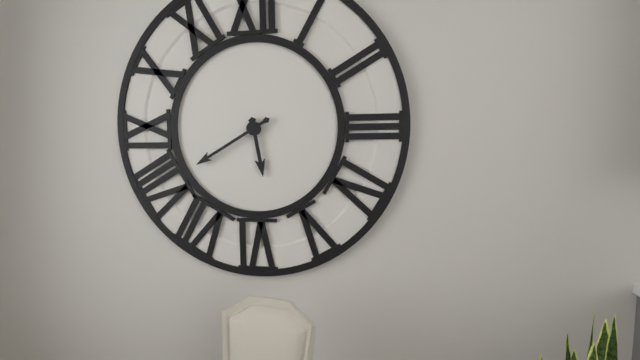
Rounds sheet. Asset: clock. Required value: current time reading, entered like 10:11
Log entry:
5:40
